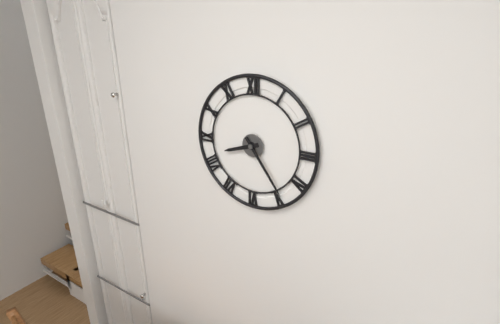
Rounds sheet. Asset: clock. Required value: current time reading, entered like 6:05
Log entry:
8:24
